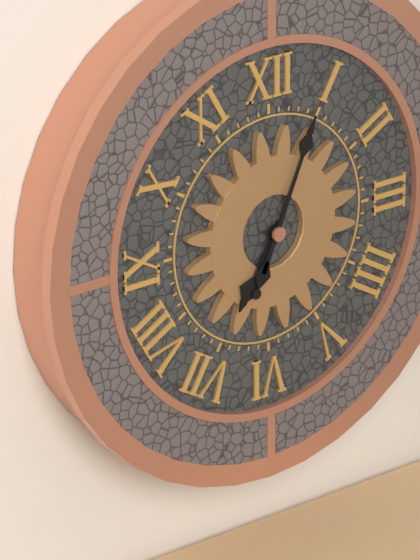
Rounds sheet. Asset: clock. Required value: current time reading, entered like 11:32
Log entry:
7:04
